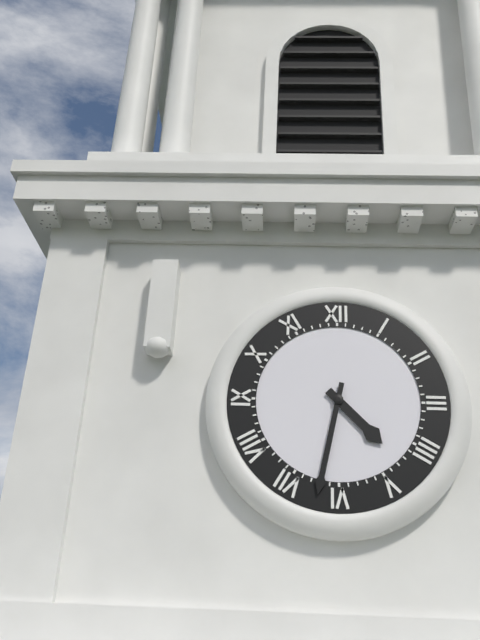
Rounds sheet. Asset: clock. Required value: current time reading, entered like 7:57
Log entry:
4:32
